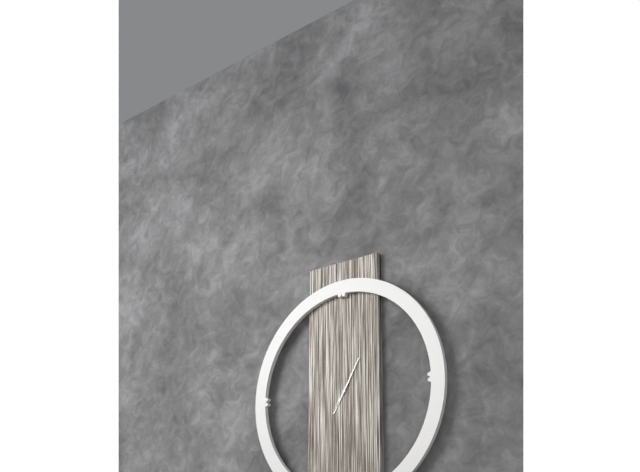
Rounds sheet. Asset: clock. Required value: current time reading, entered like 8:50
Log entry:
7:05
